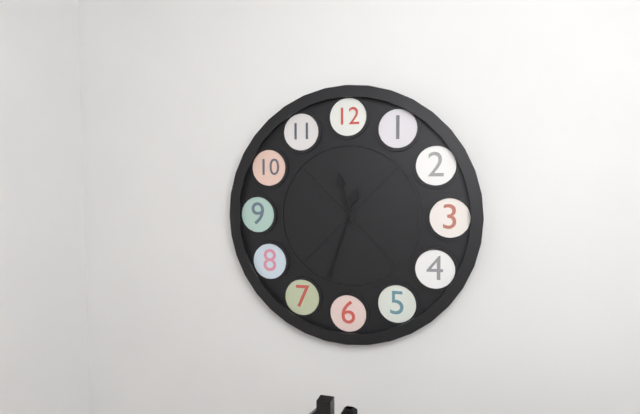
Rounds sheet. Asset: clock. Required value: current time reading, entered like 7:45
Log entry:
11:33
